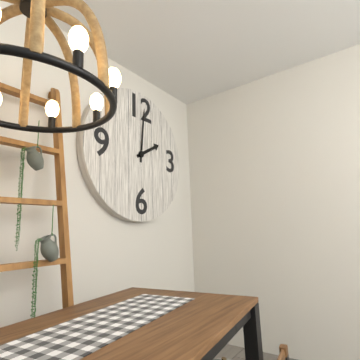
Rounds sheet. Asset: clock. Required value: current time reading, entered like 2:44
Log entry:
2:01
